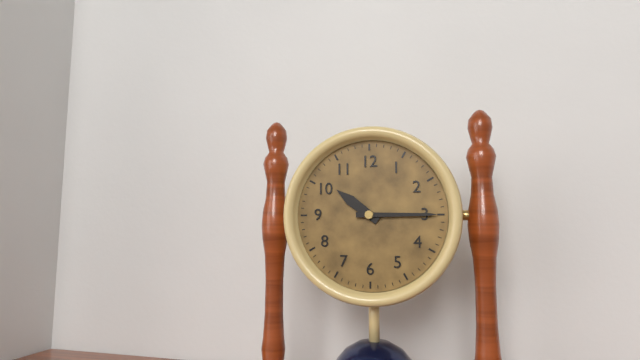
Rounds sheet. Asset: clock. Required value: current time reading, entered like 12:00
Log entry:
10:15
